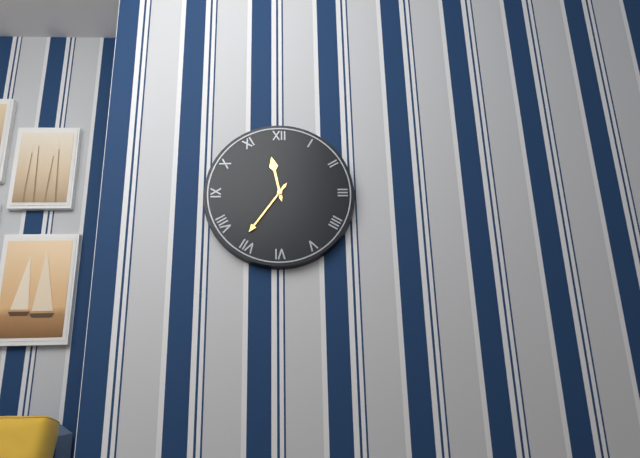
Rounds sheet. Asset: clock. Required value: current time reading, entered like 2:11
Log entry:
11:36
